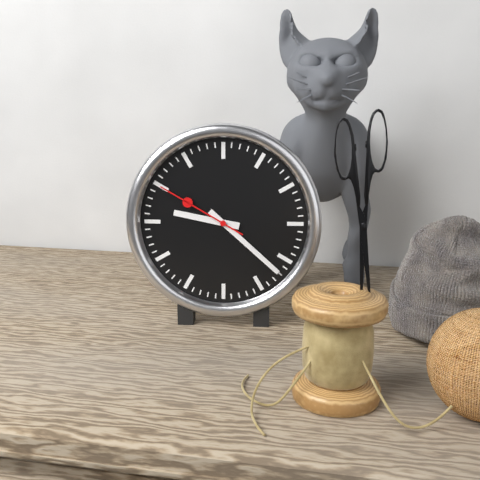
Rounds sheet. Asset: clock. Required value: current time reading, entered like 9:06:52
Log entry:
9:22:50
